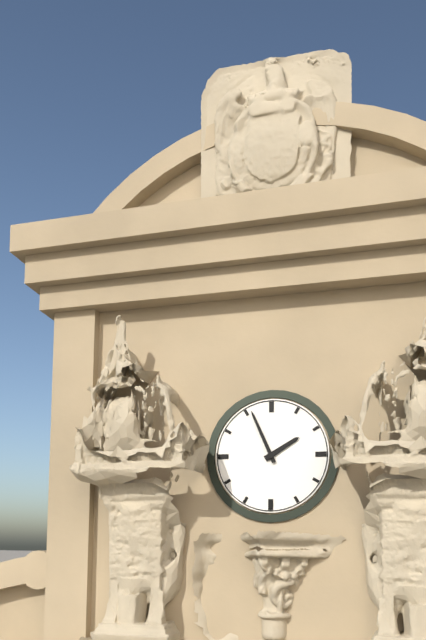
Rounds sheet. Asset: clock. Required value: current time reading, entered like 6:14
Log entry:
1:56
